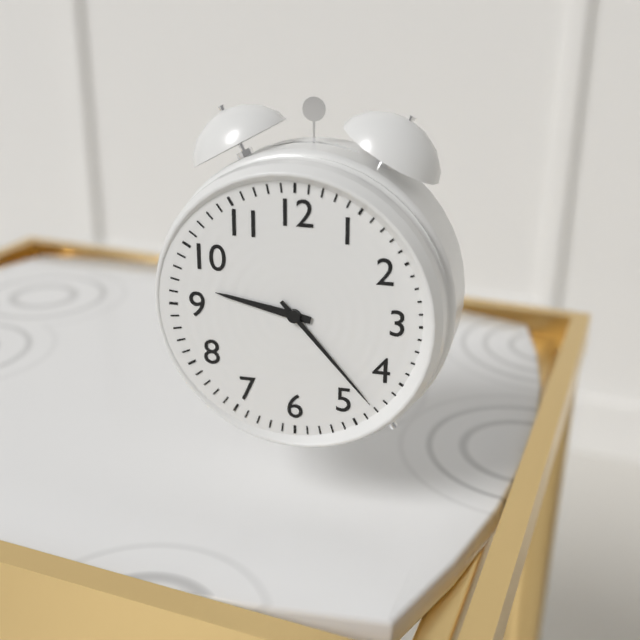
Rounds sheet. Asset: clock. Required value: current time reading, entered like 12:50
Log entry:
9:23
